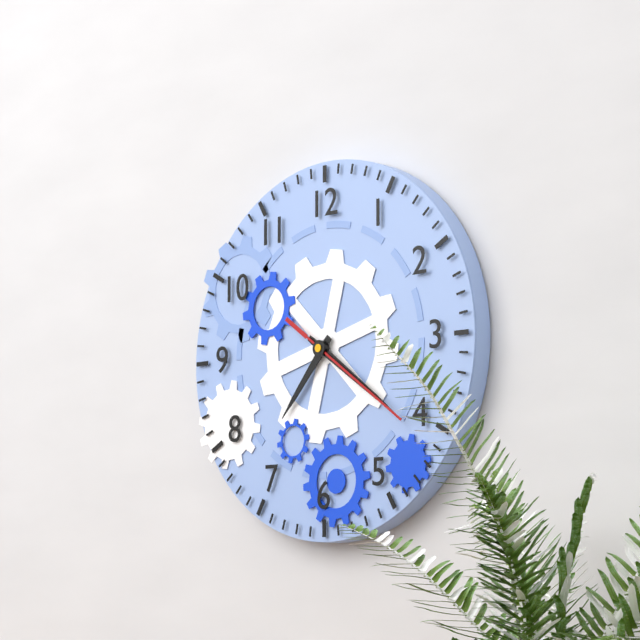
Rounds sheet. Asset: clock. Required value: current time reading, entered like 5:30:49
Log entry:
7:21:21
